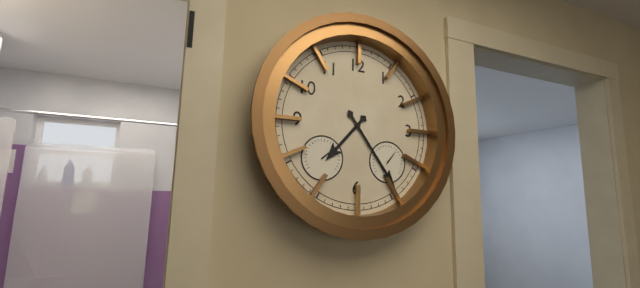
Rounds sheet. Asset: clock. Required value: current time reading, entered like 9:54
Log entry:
7:24
